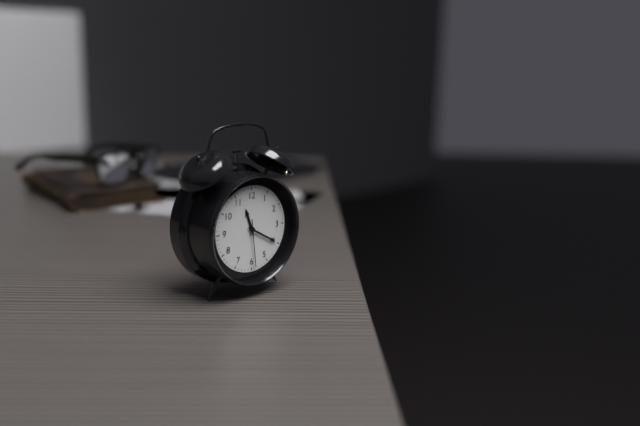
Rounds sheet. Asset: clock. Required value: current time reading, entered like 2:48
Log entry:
11:20
